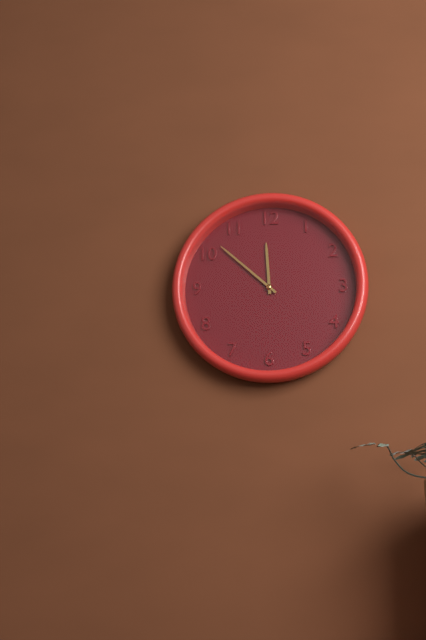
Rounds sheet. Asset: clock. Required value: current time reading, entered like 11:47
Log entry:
11:52
